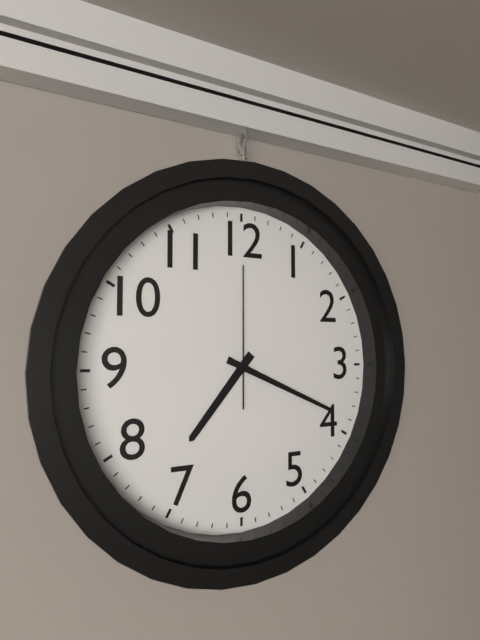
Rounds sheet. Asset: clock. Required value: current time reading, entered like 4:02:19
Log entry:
7:19:00
